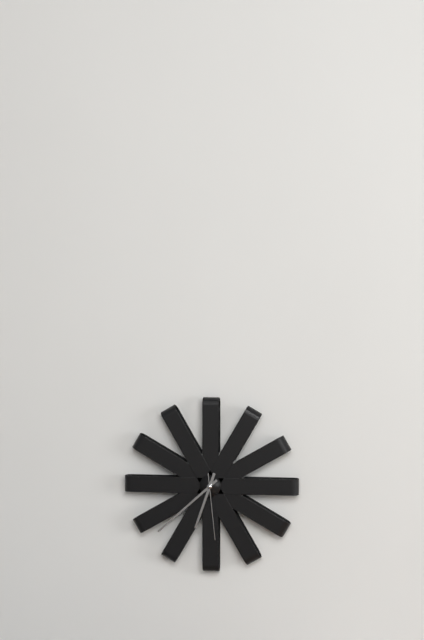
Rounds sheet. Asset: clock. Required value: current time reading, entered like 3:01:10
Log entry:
6:38:29
